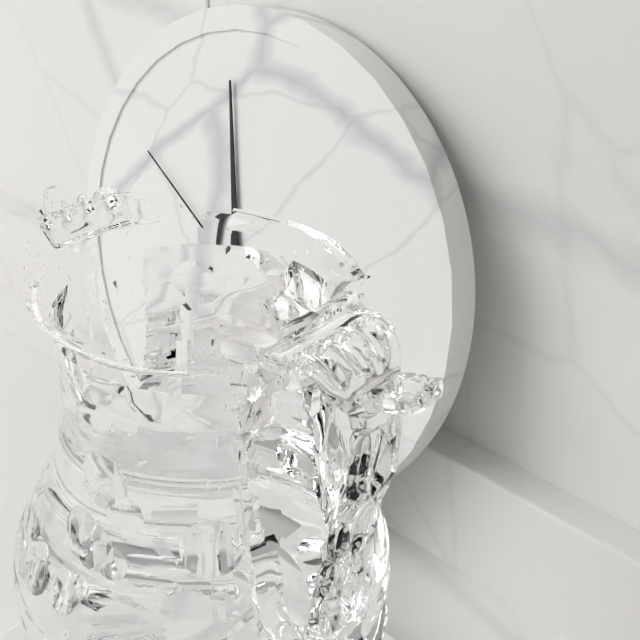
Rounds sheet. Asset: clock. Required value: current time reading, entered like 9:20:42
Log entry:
4:58:50
